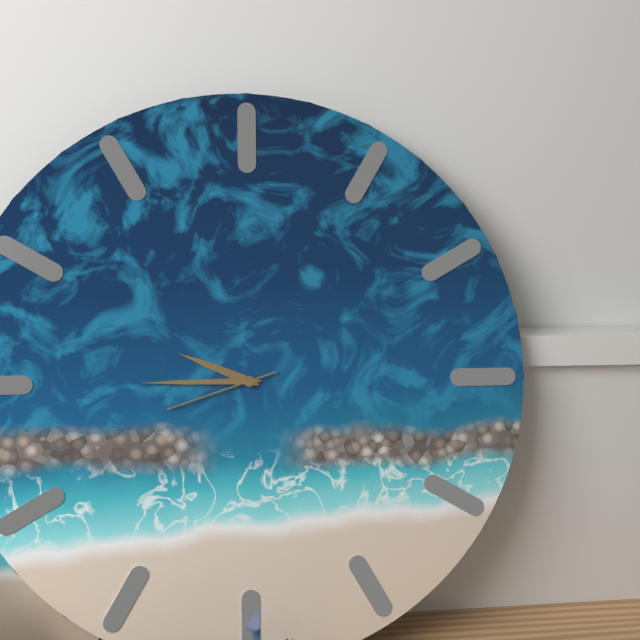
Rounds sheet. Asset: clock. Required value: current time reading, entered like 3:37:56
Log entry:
9:45:42
